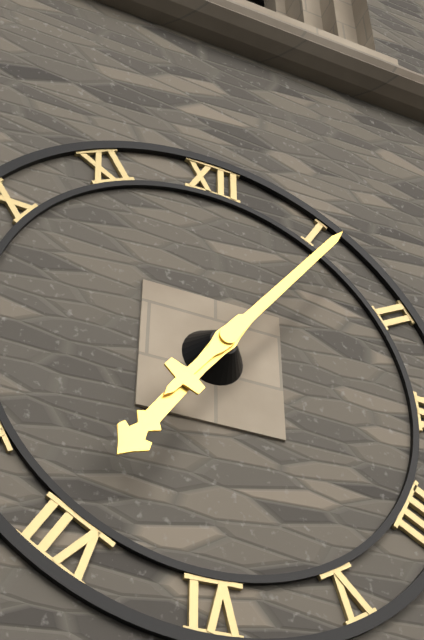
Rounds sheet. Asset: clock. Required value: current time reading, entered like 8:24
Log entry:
7:06
